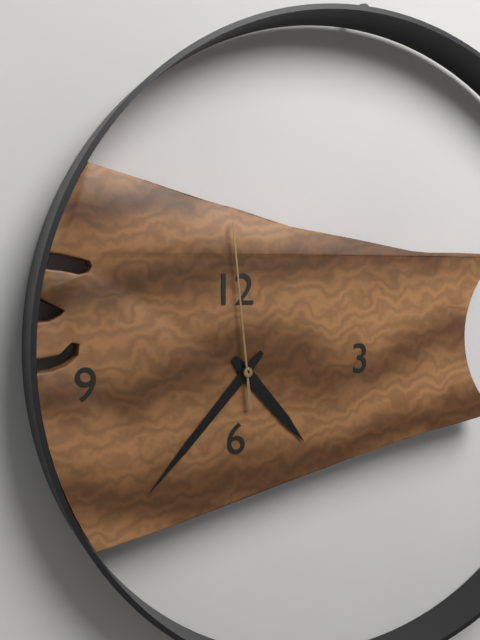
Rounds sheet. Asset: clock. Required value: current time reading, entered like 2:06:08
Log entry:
4:37:59
